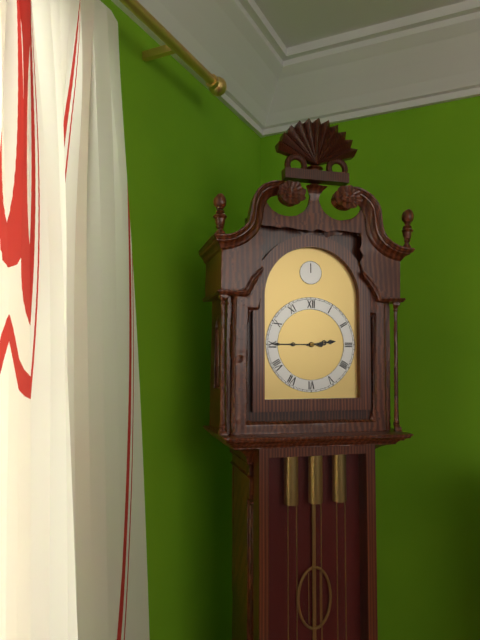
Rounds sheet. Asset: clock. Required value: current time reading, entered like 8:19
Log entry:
2:45
